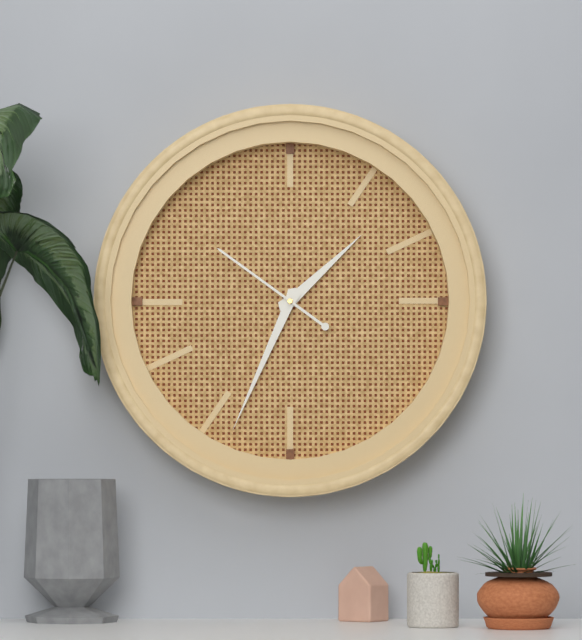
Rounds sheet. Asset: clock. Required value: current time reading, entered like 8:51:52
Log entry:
1:34:51
